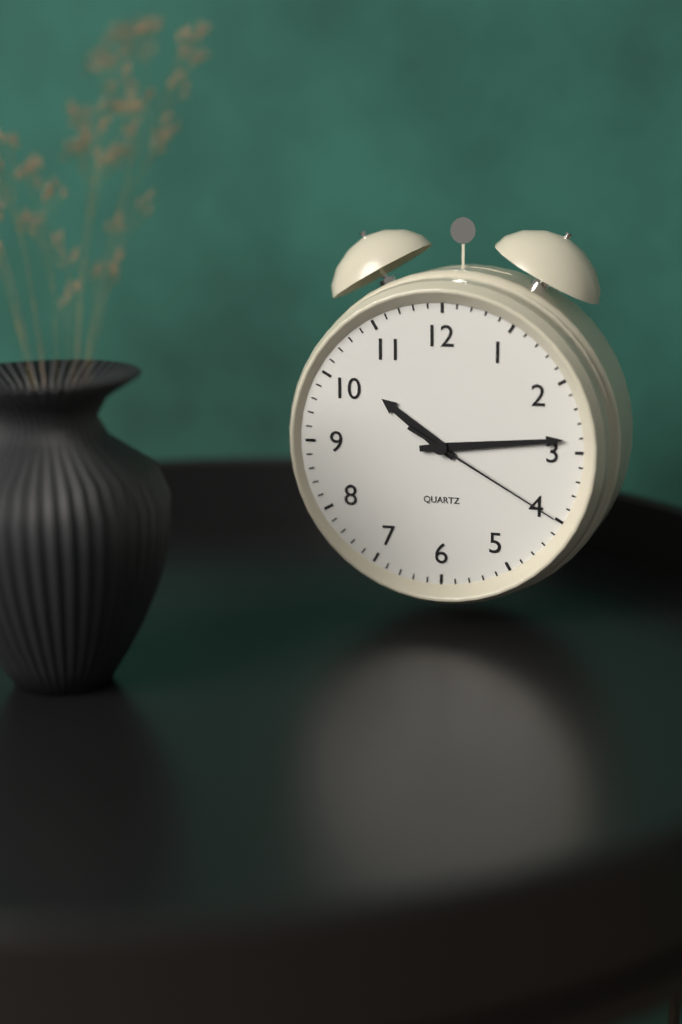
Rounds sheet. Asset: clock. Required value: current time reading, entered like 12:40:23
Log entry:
10:14:20
